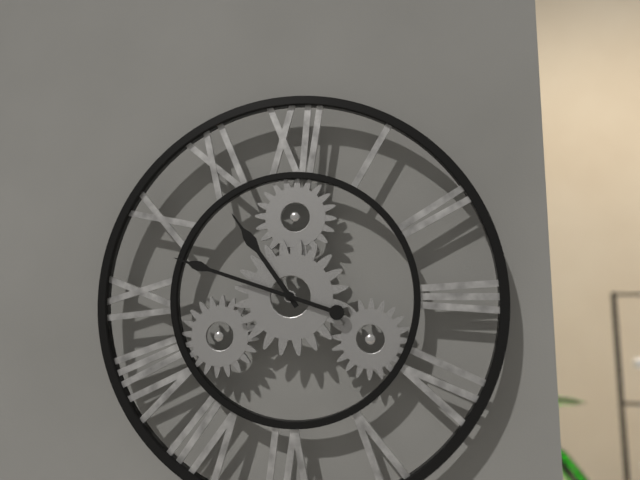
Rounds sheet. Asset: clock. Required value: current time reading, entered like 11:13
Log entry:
10:48
